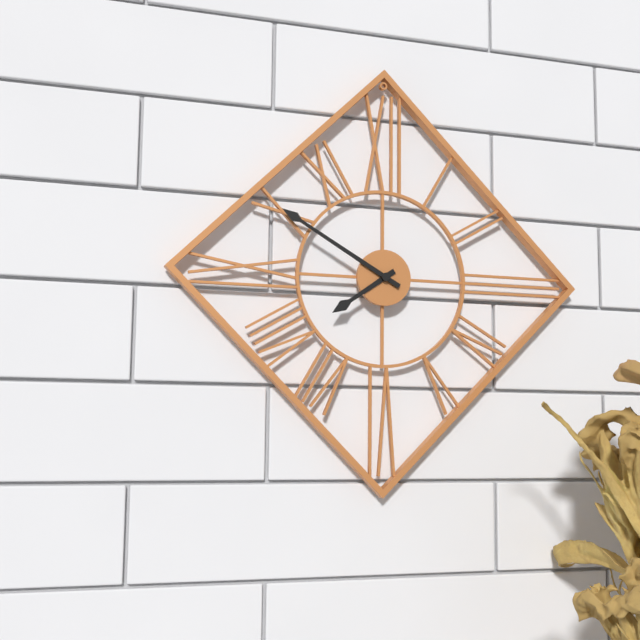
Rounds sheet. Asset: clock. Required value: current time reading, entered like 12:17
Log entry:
7:50
